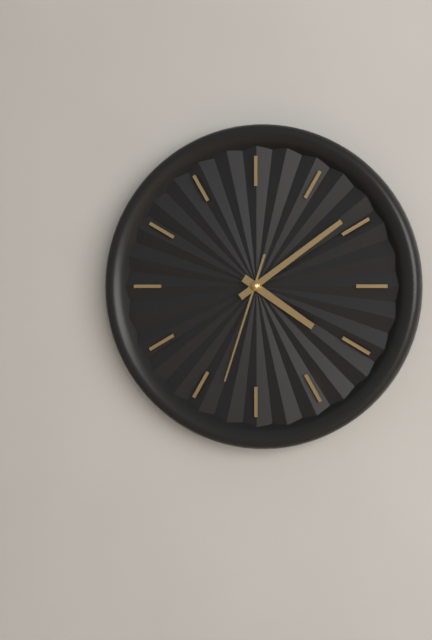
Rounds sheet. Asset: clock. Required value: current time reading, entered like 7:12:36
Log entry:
4:09:33
